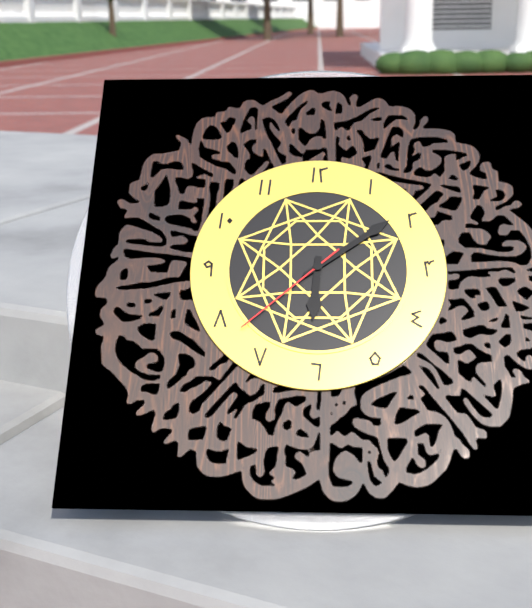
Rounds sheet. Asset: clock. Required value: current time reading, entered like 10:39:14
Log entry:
6:09:38
